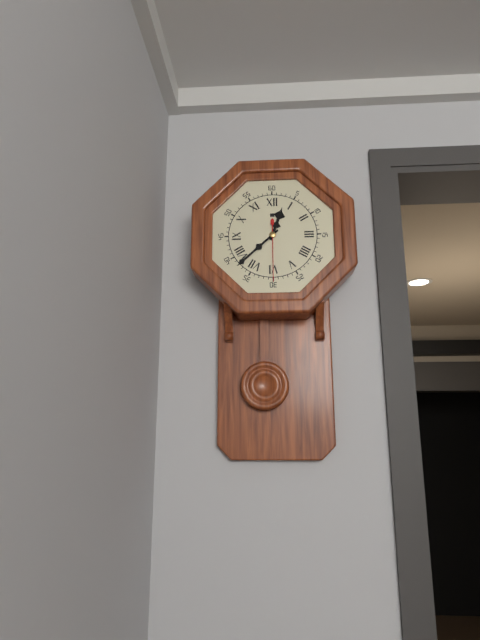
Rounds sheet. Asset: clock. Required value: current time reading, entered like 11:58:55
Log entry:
12:38:30
